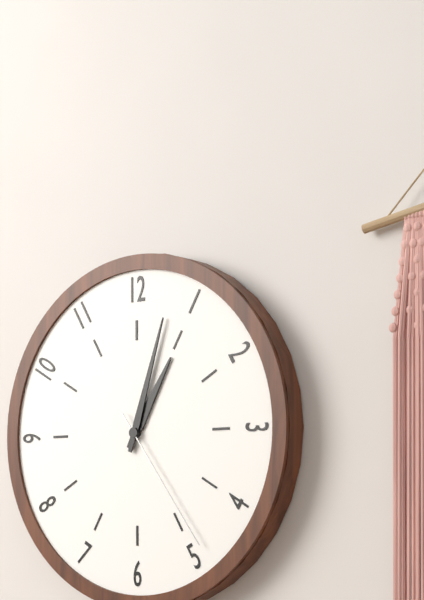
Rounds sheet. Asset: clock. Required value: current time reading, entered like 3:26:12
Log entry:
1:03:24
